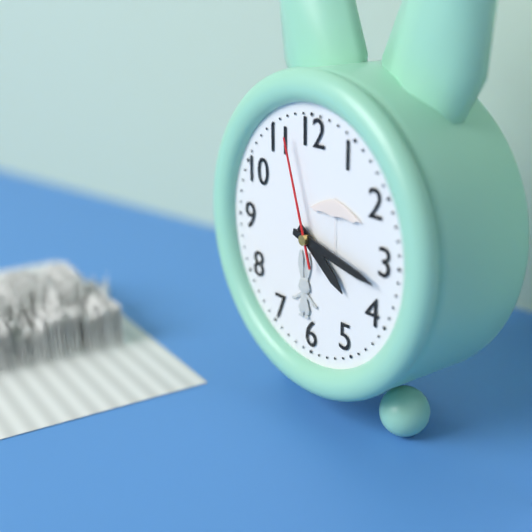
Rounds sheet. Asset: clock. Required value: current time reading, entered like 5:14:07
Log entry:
4:17:57
